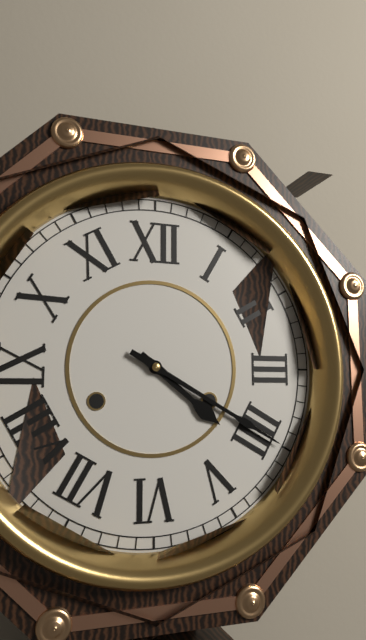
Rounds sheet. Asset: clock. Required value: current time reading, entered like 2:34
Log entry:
4:20
